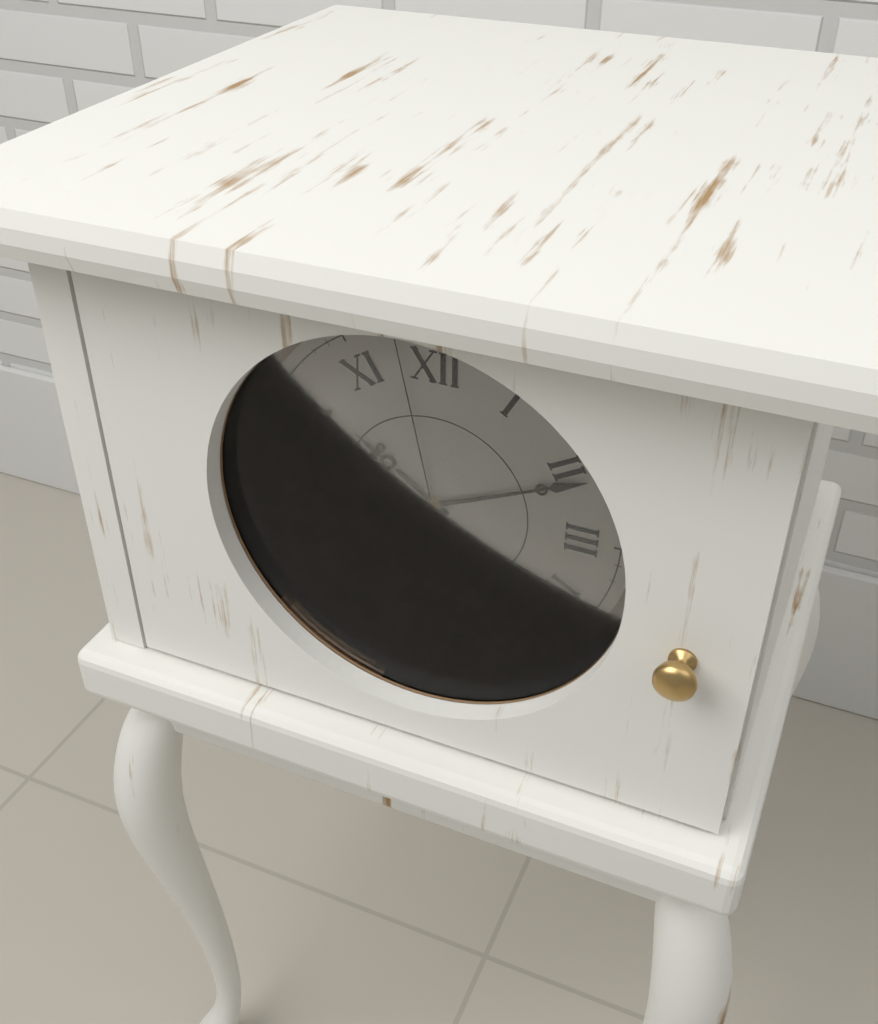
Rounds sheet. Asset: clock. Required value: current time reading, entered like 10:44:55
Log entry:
10:11:58
